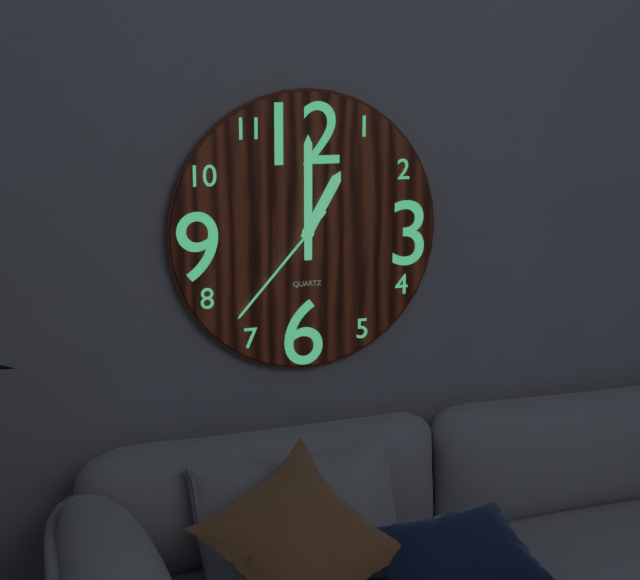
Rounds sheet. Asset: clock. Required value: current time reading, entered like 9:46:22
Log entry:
1:00:37
